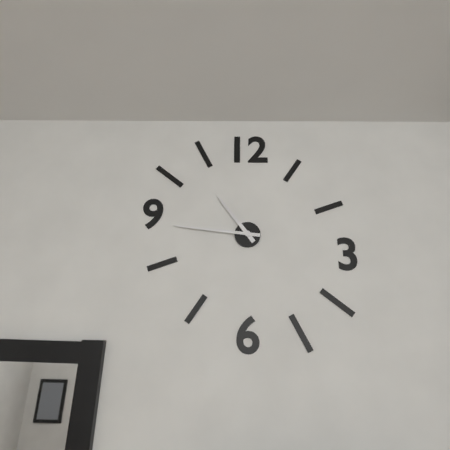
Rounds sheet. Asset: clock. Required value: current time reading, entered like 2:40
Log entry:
10:46
